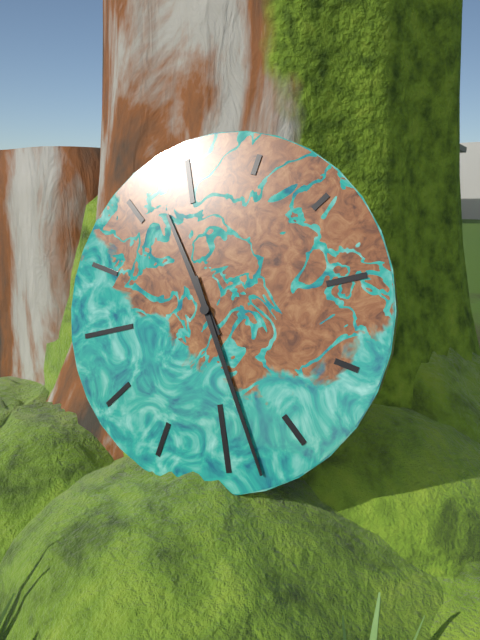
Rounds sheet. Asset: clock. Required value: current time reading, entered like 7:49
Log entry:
11:28
